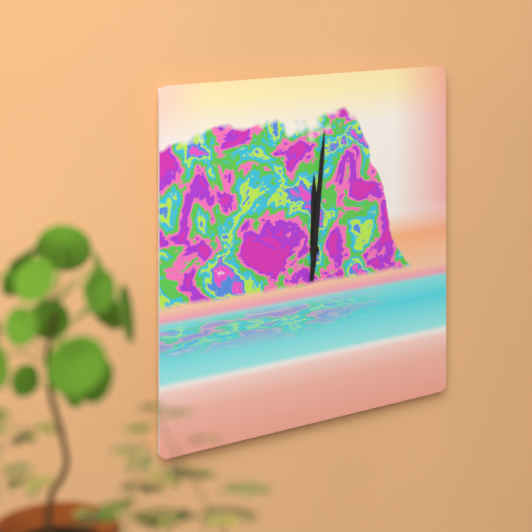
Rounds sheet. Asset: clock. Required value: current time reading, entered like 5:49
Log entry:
12:01
